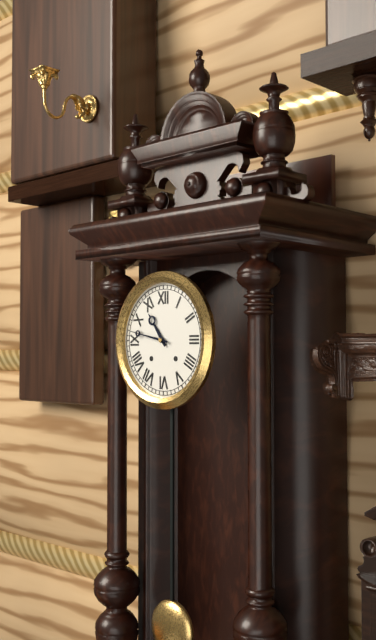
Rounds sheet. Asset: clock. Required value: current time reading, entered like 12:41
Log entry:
10:47
